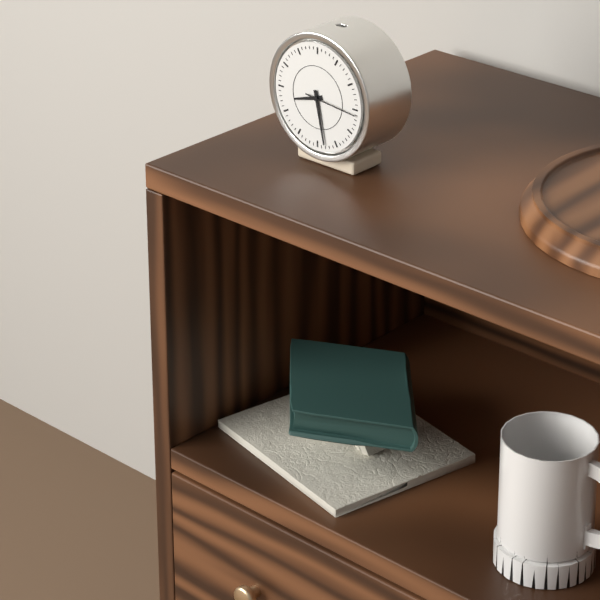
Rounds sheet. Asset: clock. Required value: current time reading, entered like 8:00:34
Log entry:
8:28:16
